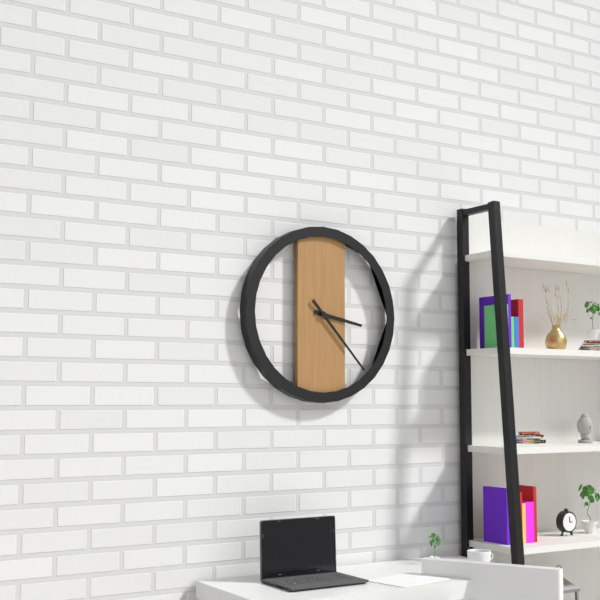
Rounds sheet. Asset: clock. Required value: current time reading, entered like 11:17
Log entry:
3:23
